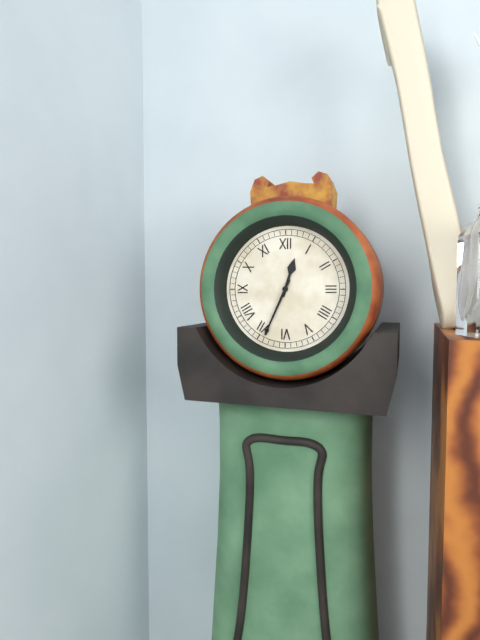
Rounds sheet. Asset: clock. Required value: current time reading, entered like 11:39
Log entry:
12:34
